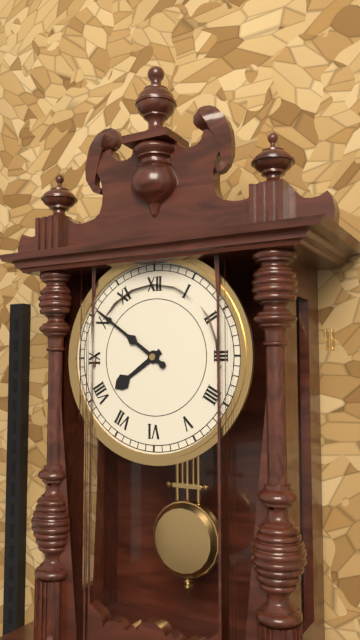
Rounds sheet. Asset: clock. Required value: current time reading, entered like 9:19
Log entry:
7:51
